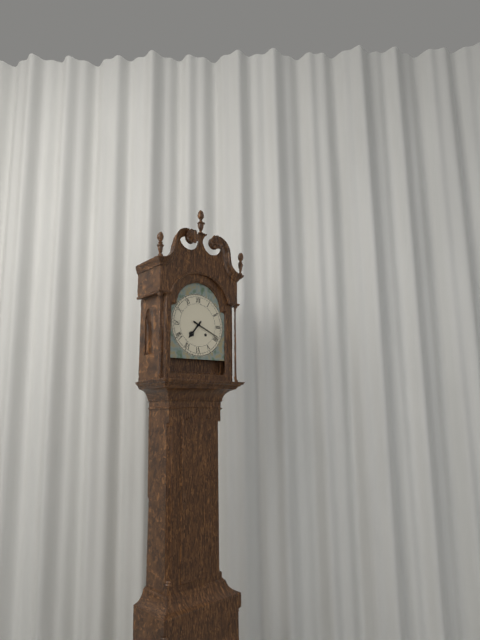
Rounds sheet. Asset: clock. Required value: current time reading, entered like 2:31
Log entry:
7:19
